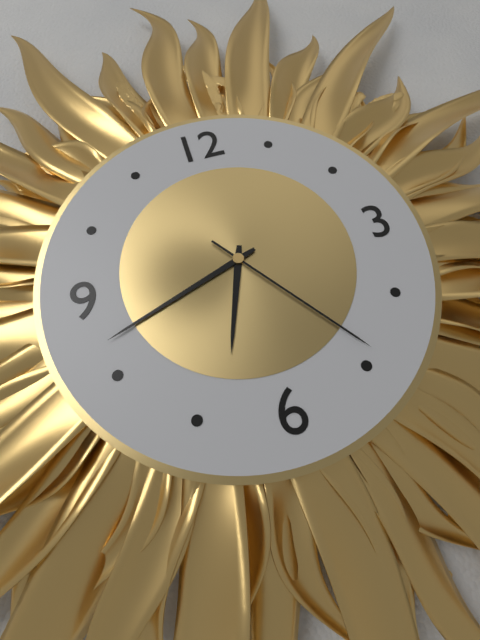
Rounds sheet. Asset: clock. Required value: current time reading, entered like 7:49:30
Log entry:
6:42:24
